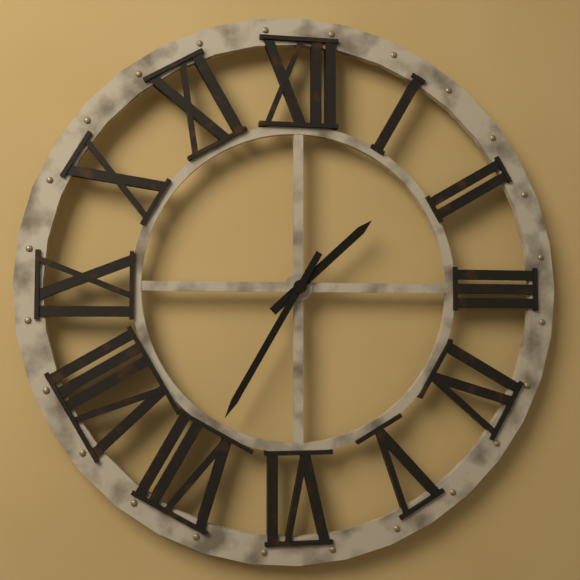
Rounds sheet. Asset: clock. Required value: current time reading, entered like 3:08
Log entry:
1:35
